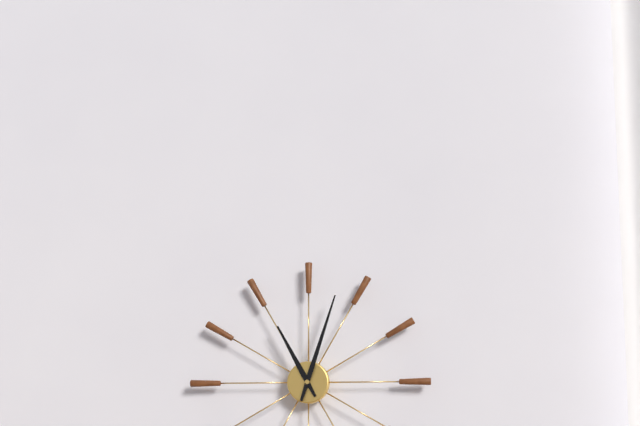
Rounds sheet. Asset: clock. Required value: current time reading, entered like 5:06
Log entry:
11:03
